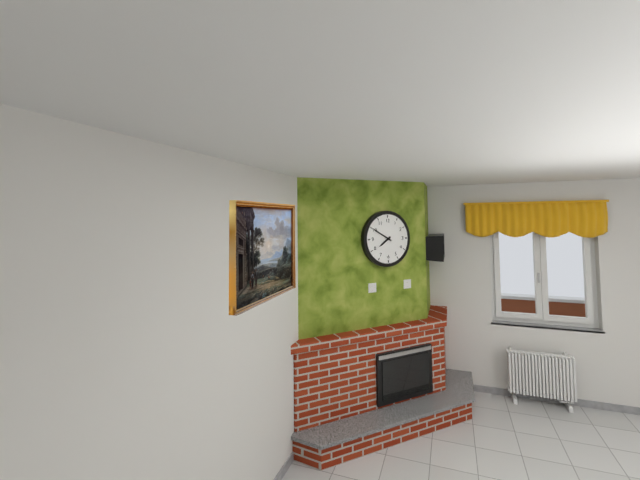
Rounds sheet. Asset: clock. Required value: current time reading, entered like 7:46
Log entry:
7:50
